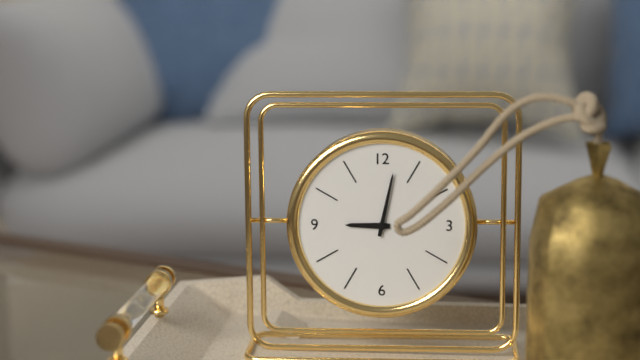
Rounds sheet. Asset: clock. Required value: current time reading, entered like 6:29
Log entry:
9:02
